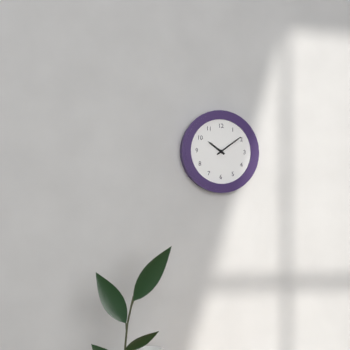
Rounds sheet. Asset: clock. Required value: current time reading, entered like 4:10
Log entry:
10:09
